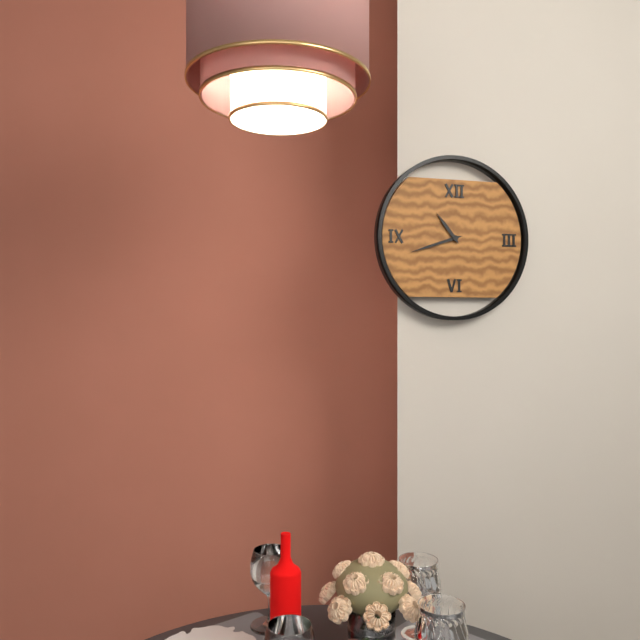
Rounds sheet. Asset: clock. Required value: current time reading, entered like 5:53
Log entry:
10:42
